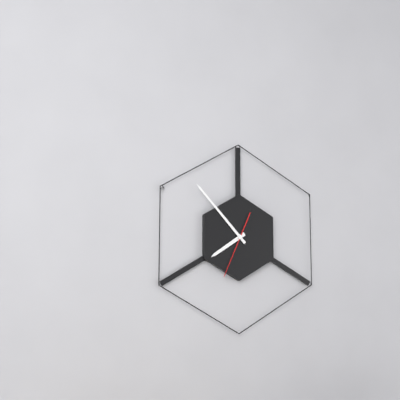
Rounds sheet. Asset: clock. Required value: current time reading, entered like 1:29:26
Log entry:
7:53:34
